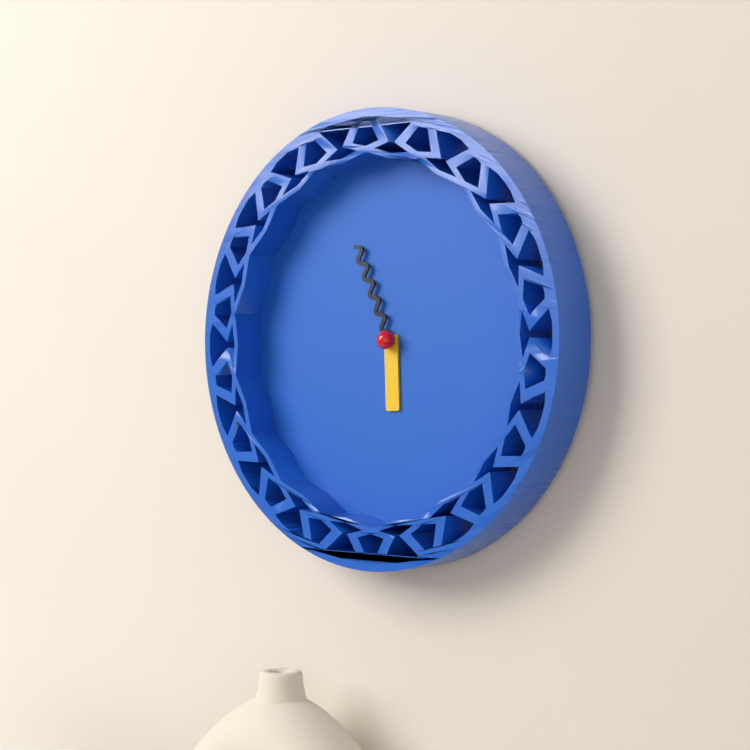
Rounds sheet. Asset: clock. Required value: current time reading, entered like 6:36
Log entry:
5:56
